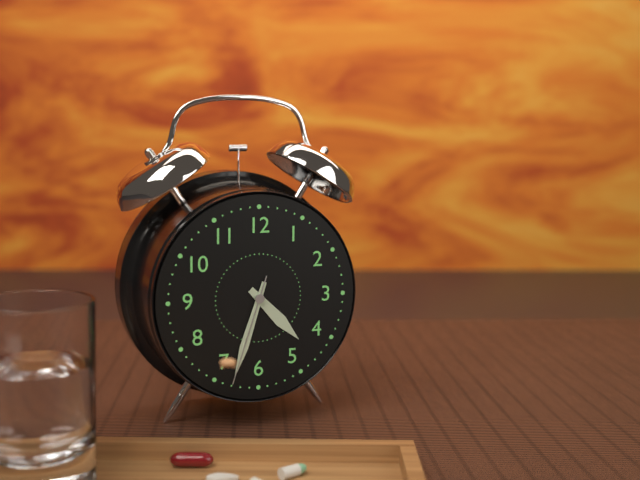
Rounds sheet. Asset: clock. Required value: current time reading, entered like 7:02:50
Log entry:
4:33:33
